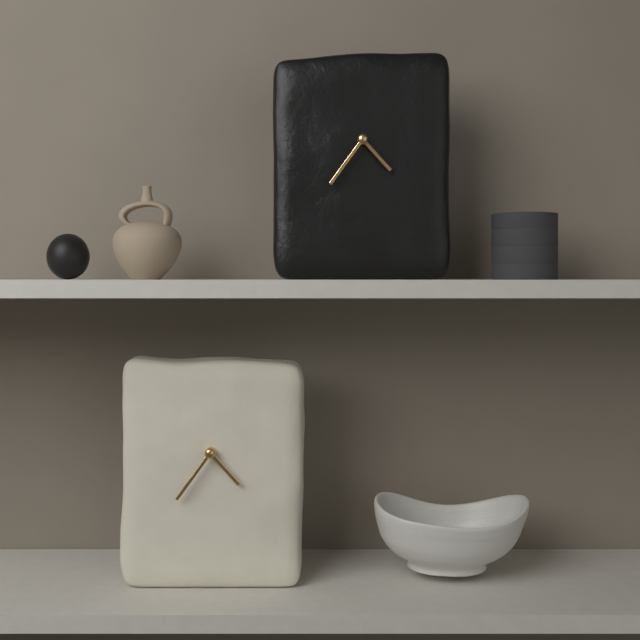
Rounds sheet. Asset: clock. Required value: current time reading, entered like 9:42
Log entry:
4:36
